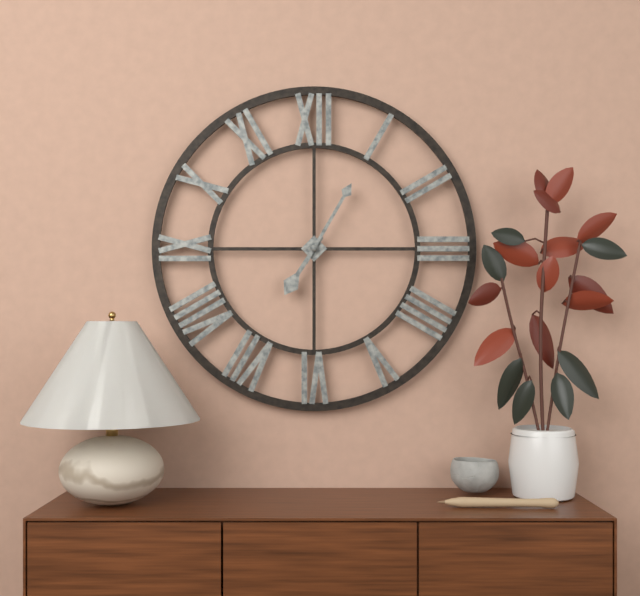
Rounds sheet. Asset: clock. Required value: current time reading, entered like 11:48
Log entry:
7:05
